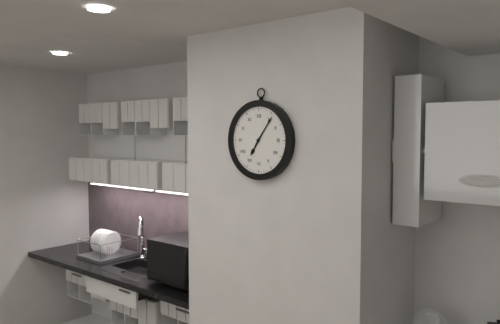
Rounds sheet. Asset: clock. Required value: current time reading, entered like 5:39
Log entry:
7:06
